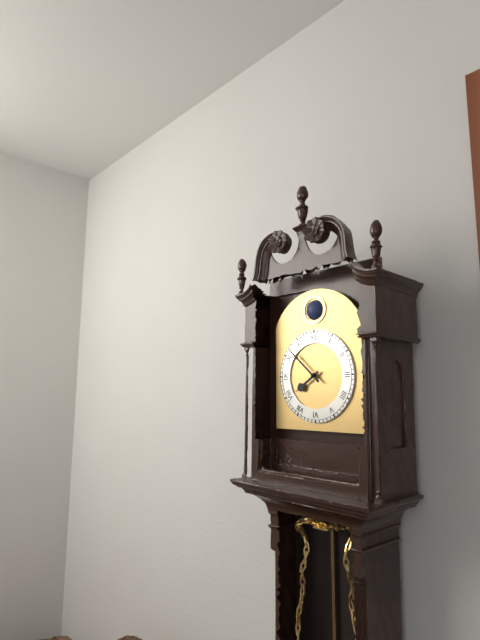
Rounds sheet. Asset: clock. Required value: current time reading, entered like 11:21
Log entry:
7:52
